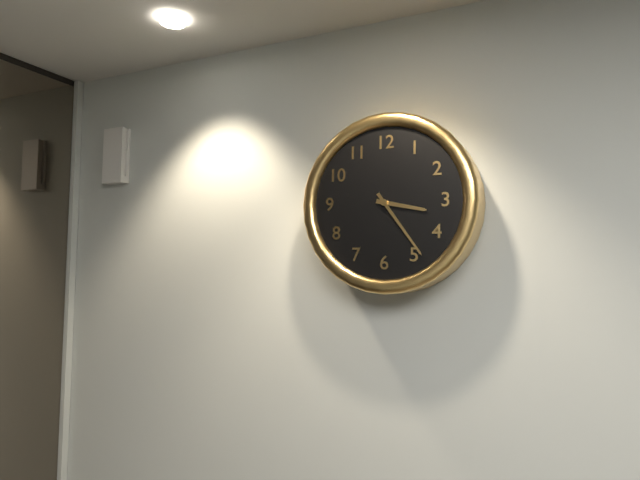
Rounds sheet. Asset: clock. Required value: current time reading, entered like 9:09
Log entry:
3:24
